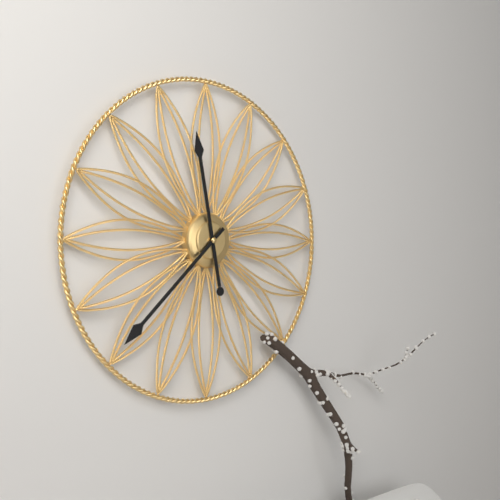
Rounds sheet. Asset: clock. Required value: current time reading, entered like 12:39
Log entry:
11:38
